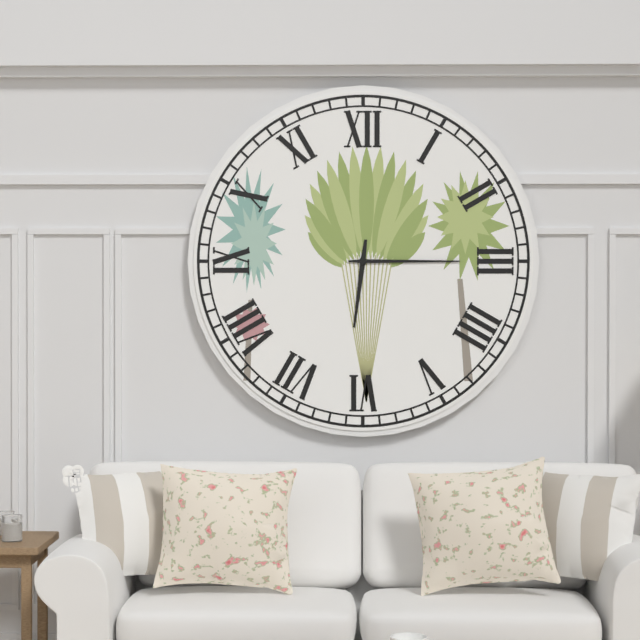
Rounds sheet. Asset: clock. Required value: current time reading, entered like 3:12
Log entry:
6:15
